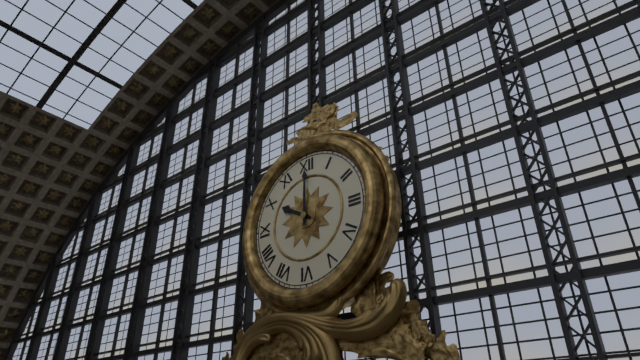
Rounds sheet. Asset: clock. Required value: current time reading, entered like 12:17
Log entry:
10:00
